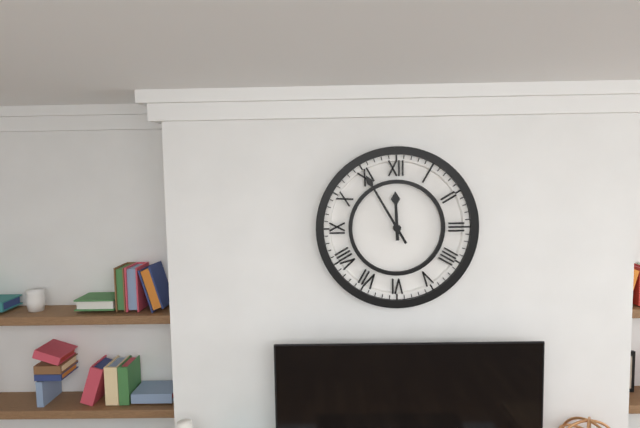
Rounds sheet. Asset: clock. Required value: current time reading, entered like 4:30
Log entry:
11:55
